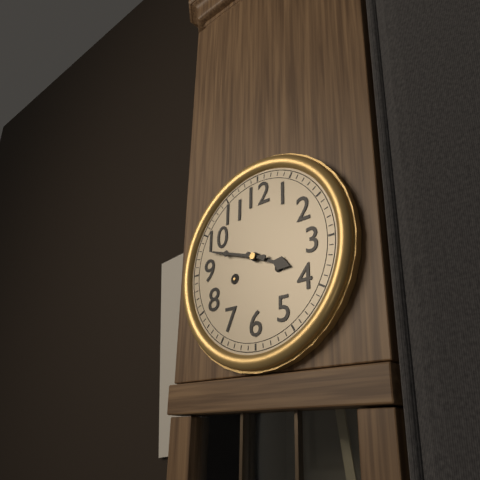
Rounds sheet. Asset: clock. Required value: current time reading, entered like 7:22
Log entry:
3:48
